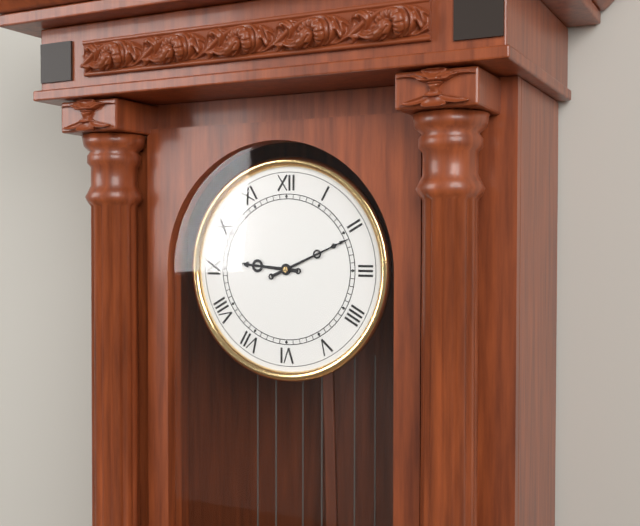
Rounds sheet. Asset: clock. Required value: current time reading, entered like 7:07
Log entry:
9:11
